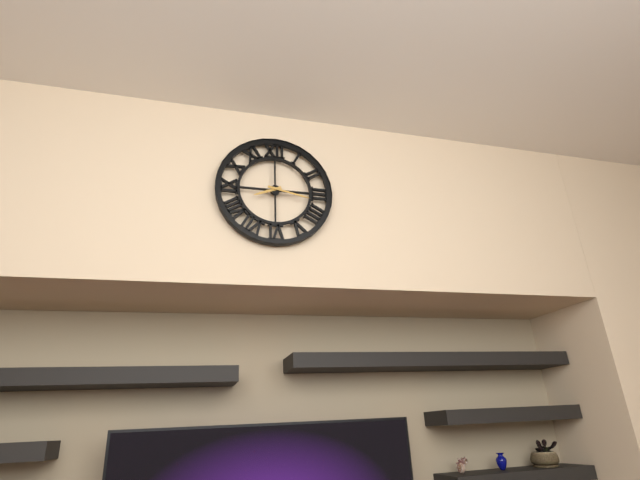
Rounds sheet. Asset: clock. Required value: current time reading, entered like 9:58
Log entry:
8:17
